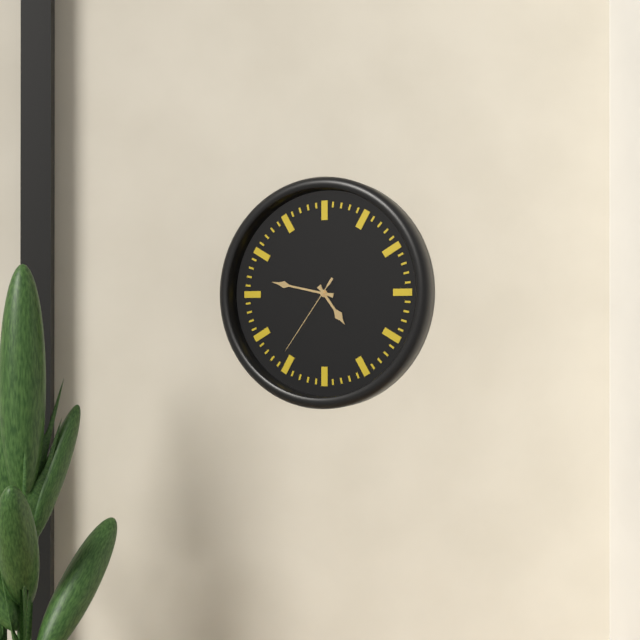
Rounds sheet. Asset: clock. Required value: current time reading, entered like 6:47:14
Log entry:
4:47:36
